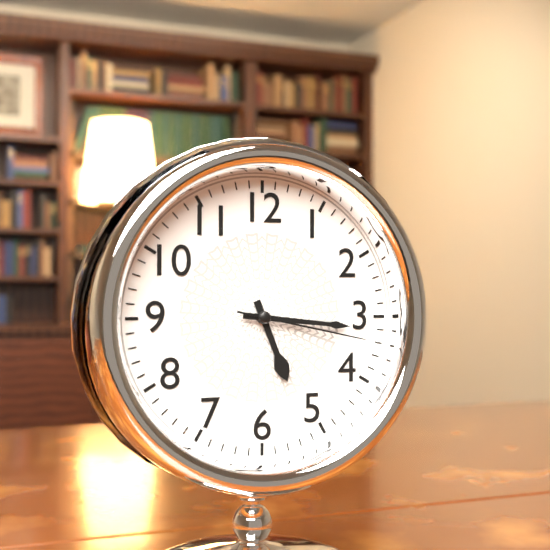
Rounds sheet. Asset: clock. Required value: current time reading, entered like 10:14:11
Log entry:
5:16:17
